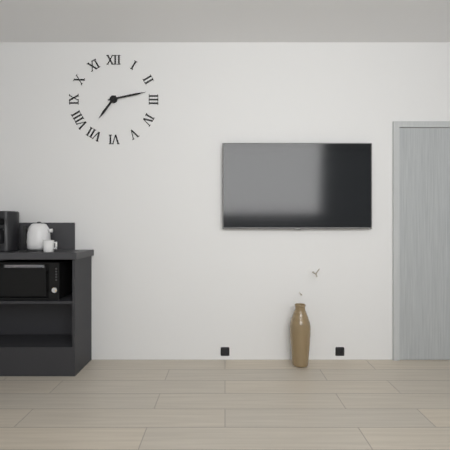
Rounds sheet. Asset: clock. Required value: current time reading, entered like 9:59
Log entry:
7:13
